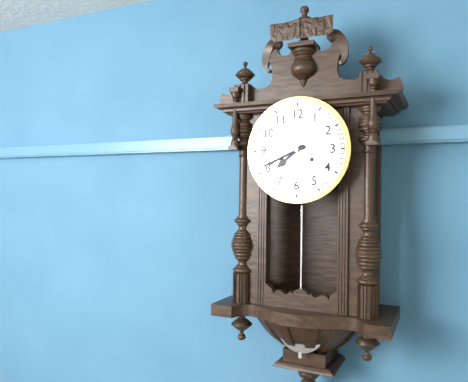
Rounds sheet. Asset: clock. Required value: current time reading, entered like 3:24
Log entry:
7:41
